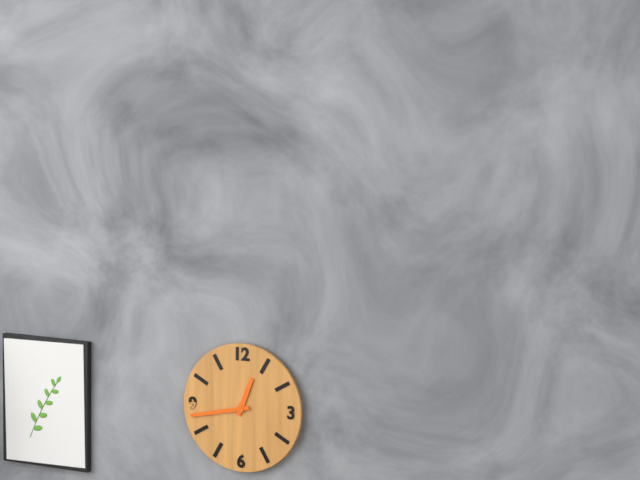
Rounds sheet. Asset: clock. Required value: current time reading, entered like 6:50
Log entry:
12:43
